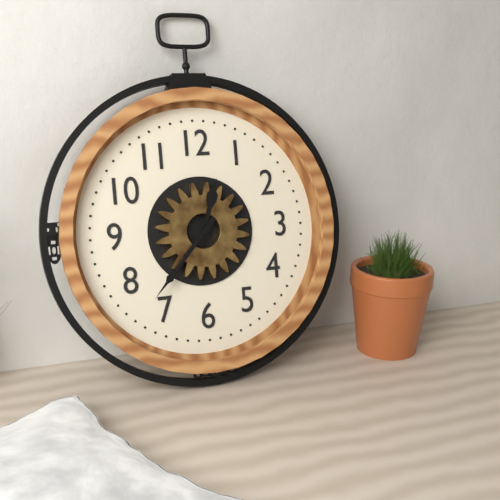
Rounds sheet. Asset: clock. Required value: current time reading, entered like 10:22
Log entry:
12:37
